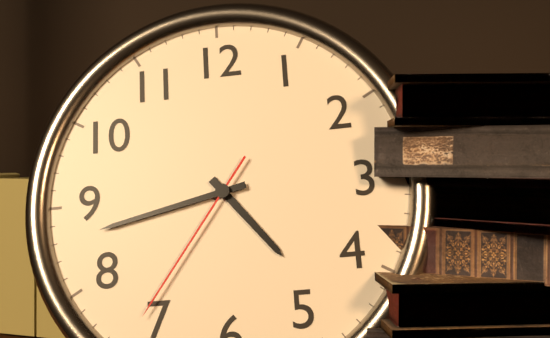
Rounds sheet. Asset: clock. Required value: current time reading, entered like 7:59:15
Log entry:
4:43:36
